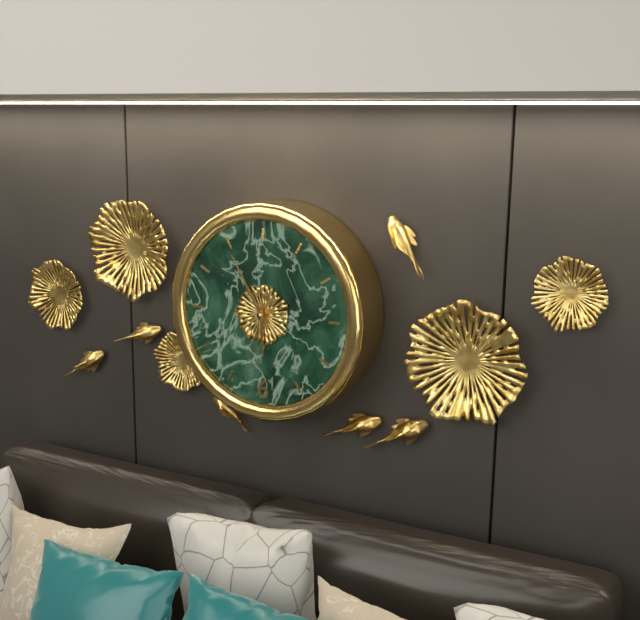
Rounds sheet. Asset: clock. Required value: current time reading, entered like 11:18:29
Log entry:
5:55:32
